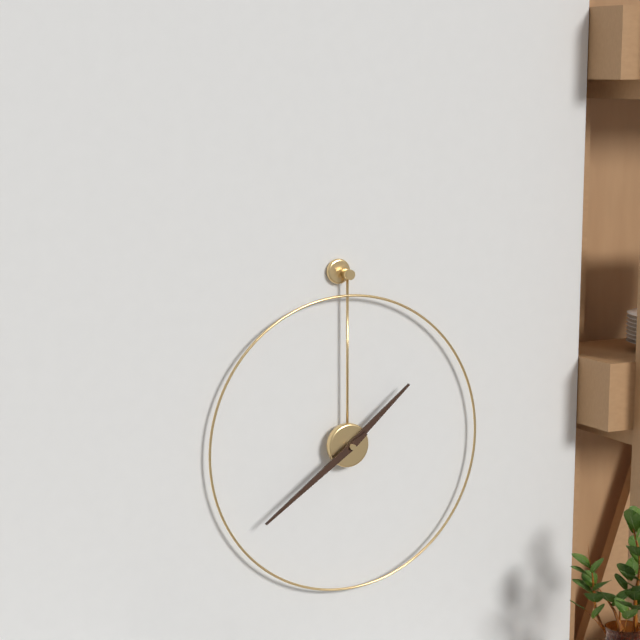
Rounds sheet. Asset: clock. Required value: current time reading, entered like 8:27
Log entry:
1:39
